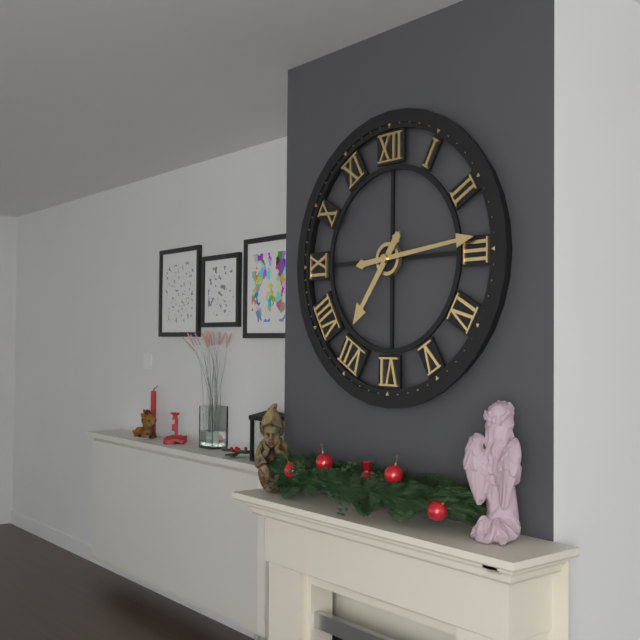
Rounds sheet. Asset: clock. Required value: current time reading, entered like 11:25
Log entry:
7:14
